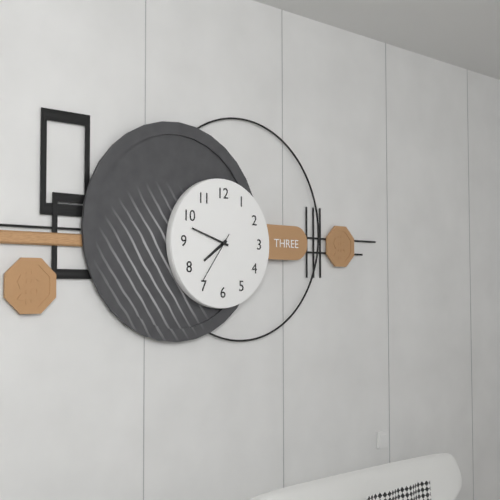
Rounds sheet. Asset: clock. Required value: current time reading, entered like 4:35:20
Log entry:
7:48:36
